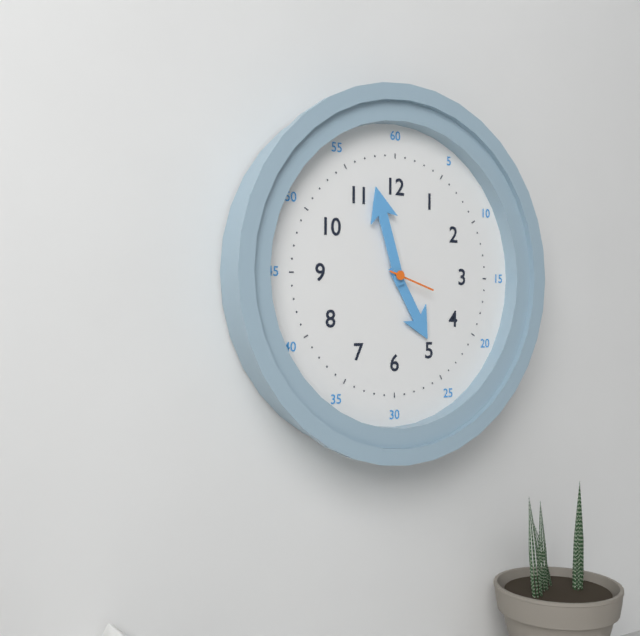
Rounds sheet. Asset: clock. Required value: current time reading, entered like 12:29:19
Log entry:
4:57:18
